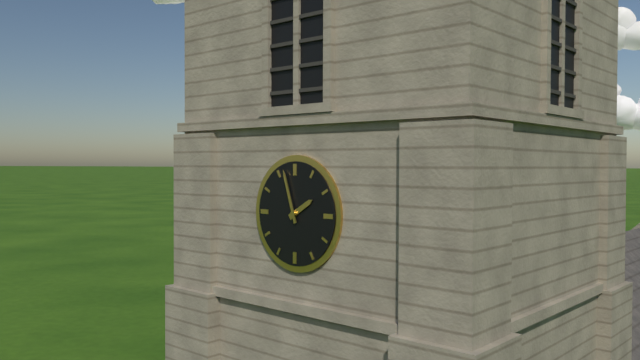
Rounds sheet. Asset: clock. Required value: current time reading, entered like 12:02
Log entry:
1:57
